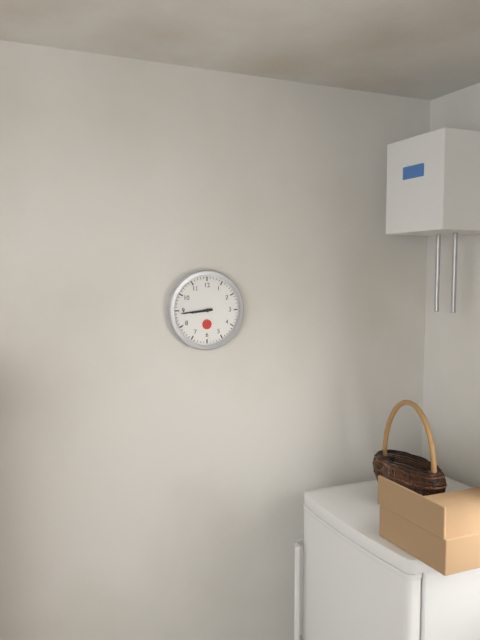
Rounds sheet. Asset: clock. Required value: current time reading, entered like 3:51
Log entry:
8:44
